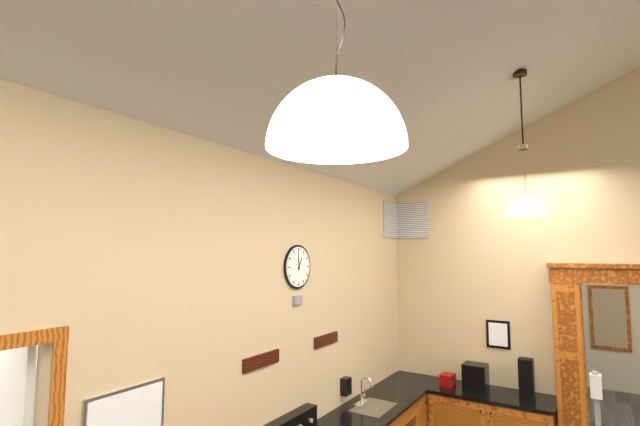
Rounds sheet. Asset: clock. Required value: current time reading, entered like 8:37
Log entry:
12:59
